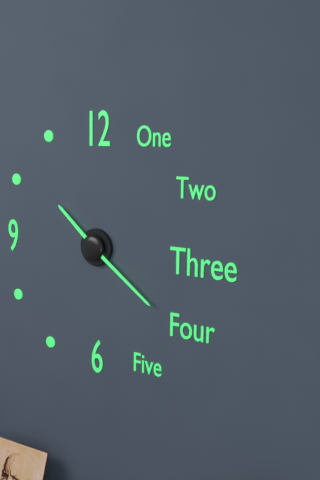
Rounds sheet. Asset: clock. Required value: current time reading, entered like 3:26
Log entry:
10:21
